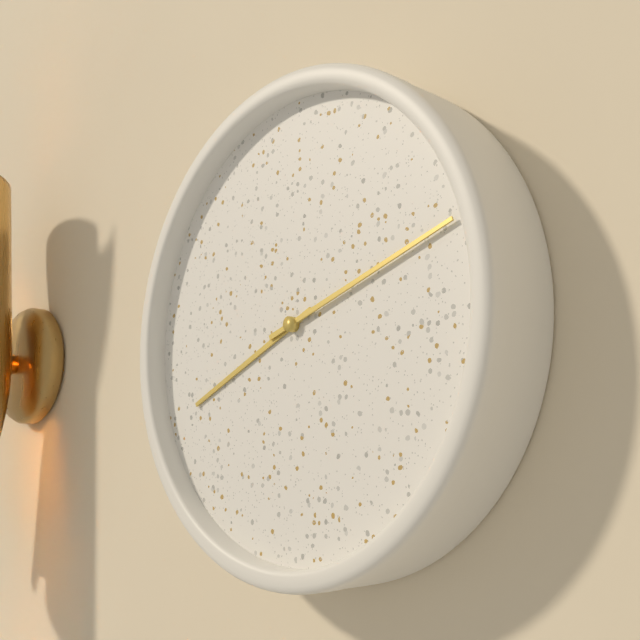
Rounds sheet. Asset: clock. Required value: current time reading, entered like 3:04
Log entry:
8:12
